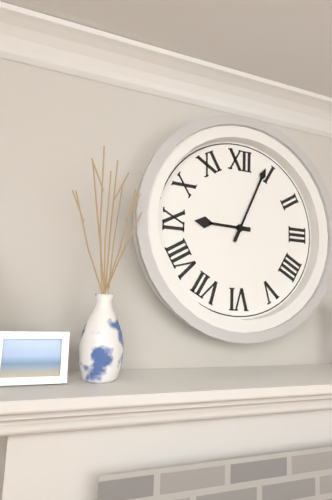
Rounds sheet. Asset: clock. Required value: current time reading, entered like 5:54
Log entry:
9:04
